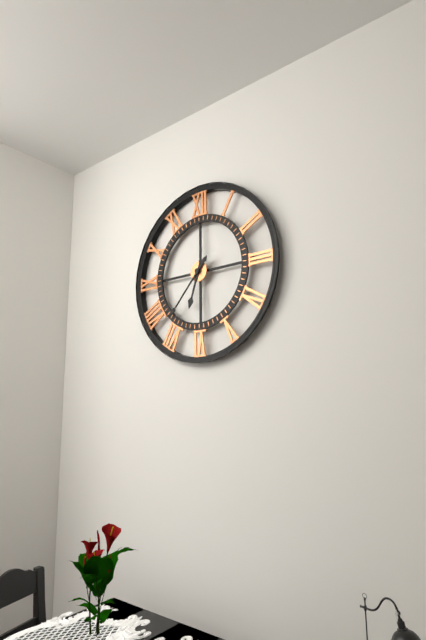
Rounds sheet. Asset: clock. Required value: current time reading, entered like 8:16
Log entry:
6:37
